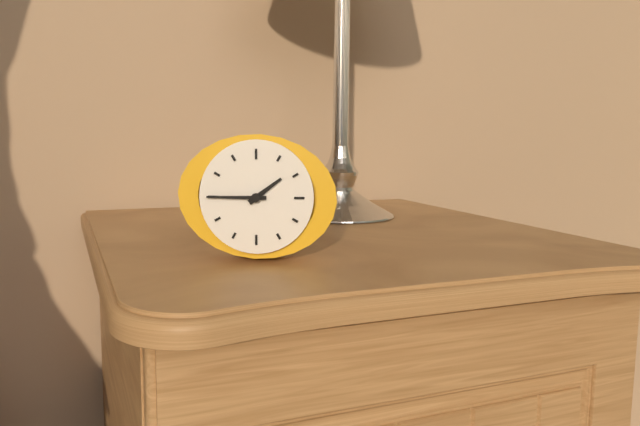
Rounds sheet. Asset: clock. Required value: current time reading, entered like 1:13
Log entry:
1:45
